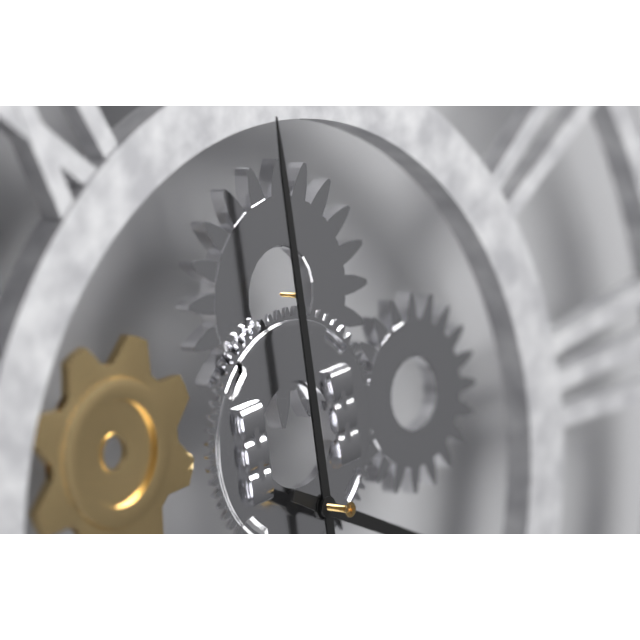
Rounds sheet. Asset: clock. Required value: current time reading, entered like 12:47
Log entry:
4:00
